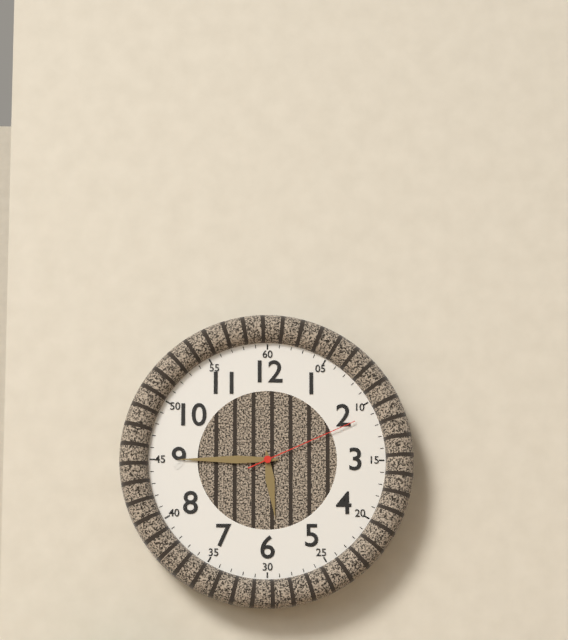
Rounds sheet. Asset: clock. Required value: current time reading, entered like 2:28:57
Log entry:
5:45:11
